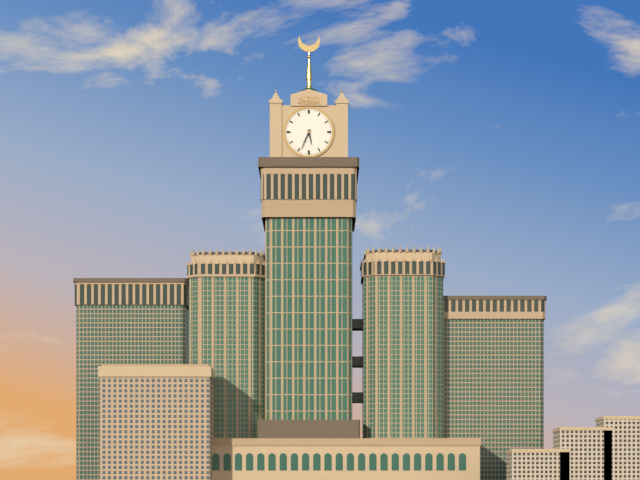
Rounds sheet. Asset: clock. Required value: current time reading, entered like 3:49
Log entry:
5:34
